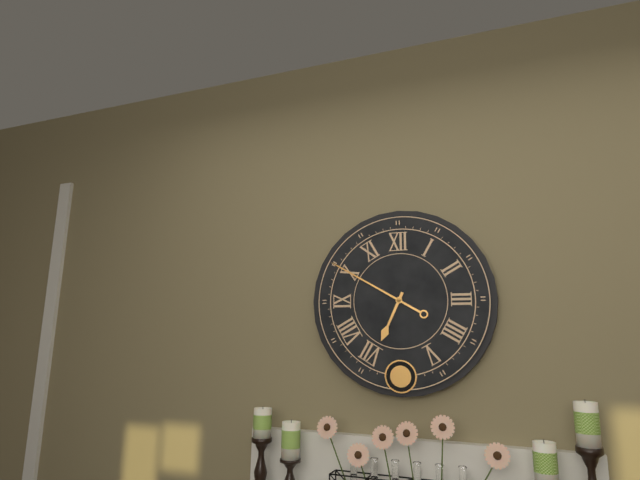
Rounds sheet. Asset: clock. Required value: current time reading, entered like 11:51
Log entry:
6:50
